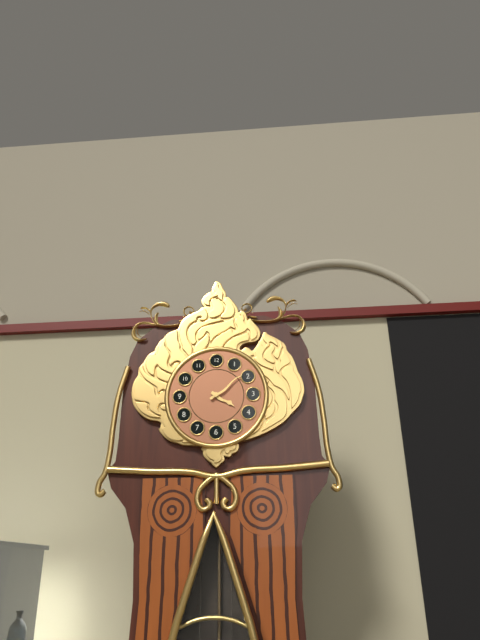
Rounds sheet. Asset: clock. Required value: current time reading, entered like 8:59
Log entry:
4:09
